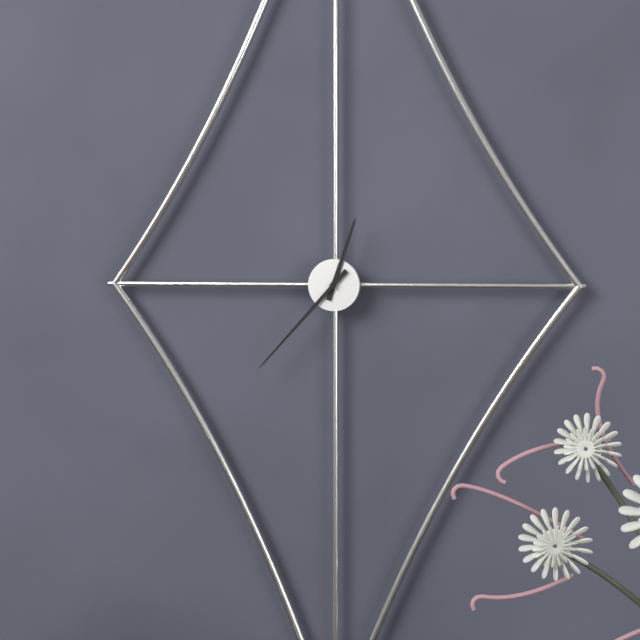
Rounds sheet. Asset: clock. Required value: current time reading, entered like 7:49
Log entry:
12:37
